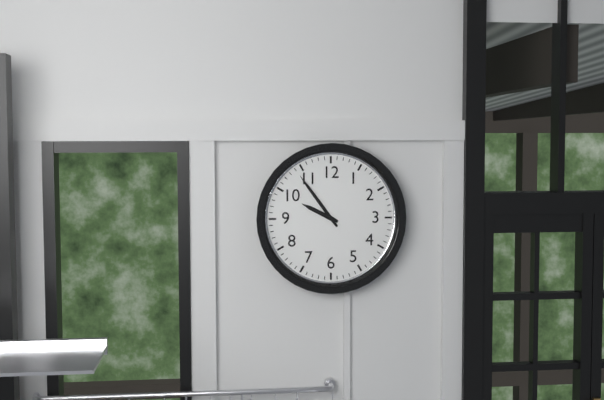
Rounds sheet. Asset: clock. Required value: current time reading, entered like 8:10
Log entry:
9:54
